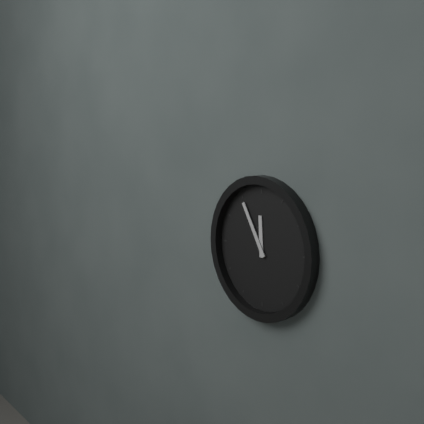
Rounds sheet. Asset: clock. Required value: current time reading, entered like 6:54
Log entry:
11:55
